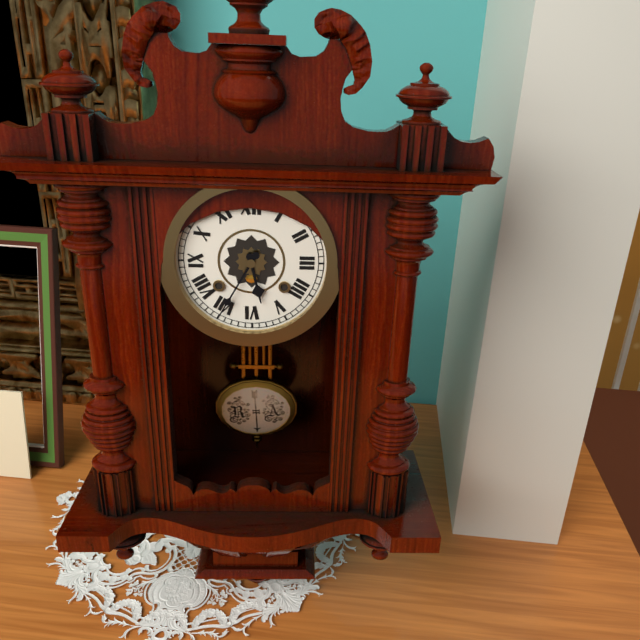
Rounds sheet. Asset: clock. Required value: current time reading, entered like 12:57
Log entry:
5:35
